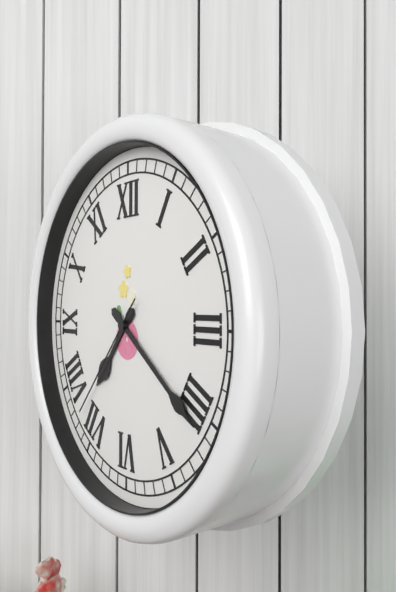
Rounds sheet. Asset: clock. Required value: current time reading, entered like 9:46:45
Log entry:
7:21:37
